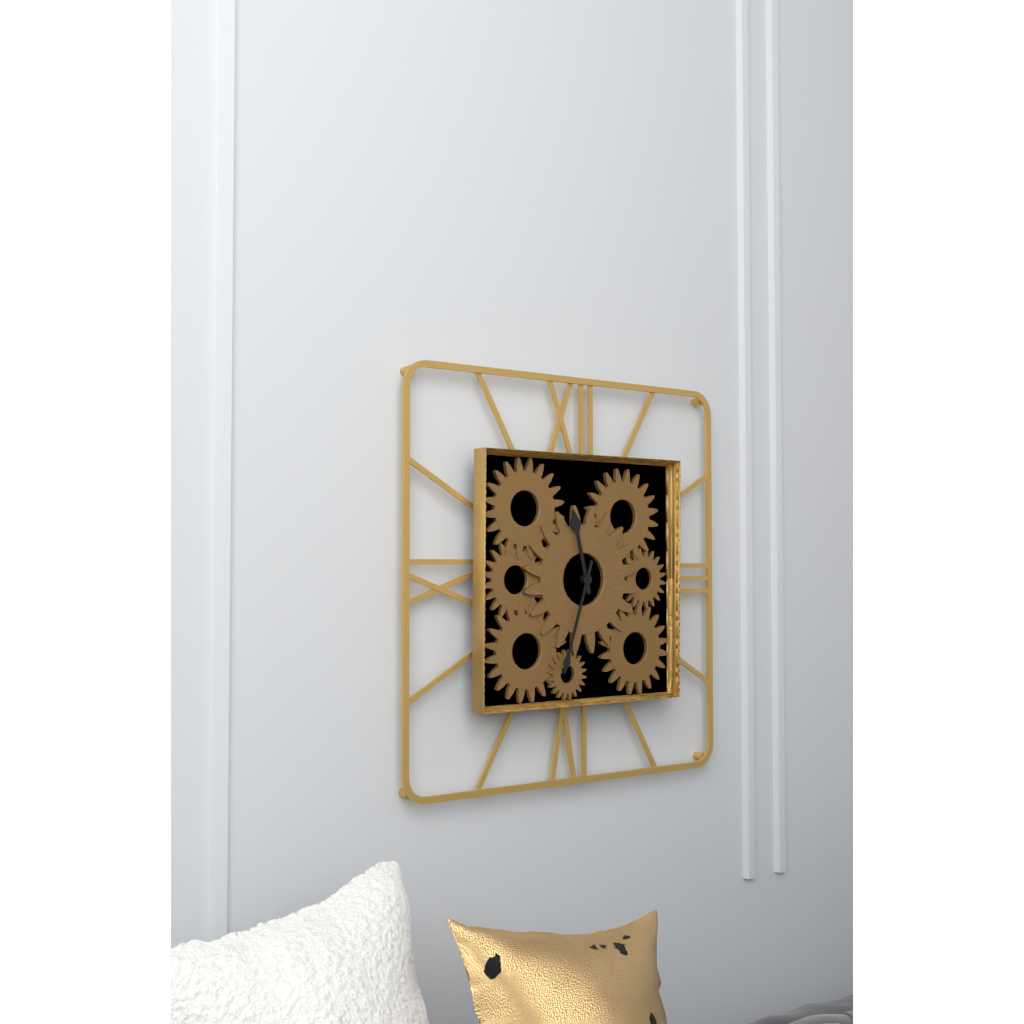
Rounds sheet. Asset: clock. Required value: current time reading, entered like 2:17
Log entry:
11:33
